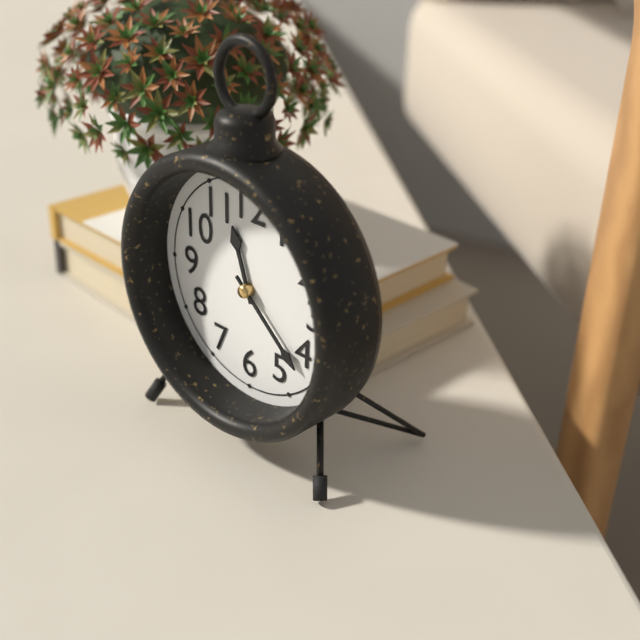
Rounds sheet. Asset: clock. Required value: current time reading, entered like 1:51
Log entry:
11:22
